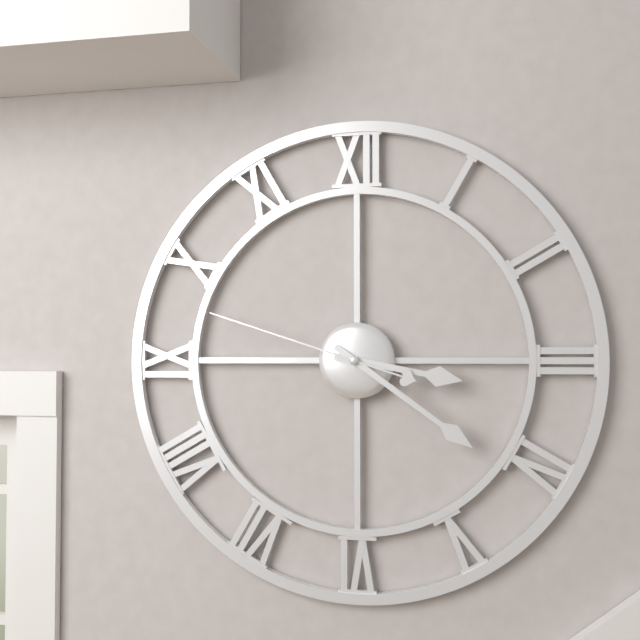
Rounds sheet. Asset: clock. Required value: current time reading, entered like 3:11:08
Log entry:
3:21:48
